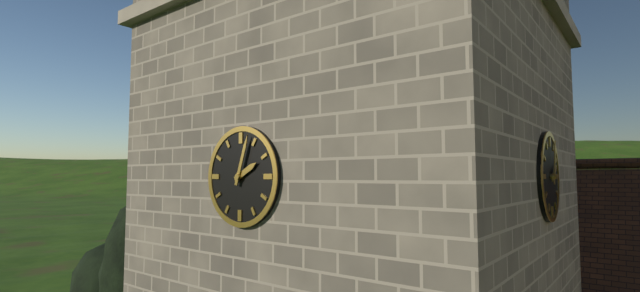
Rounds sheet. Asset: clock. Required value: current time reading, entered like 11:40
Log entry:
2:03
